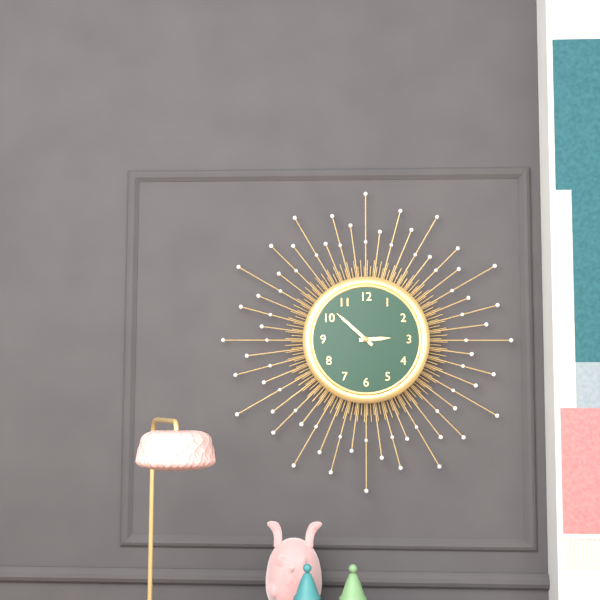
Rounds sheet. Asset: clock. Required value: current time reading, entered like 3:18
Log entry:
2:52
